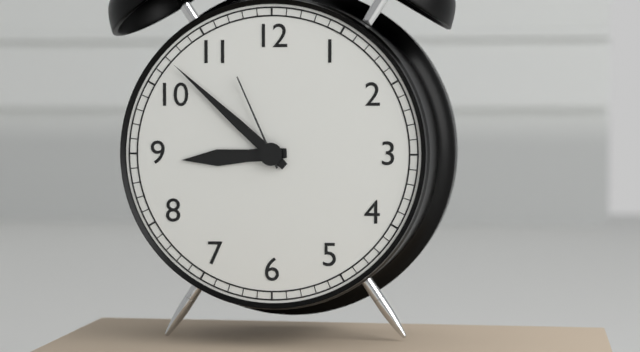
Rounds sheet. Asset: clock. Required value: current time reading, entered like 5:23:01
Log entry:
8:52:56
